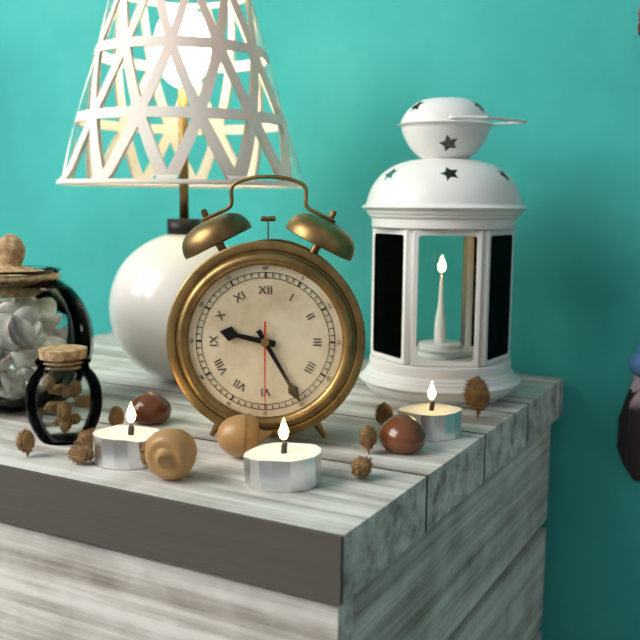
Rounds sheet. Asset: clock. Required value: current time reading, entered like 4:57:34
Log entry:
9:25:30
